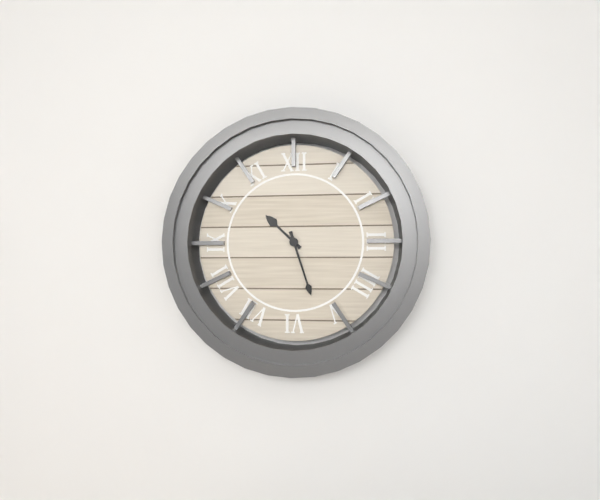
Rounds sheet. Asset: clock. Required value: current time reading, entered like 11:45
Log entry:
10:27
